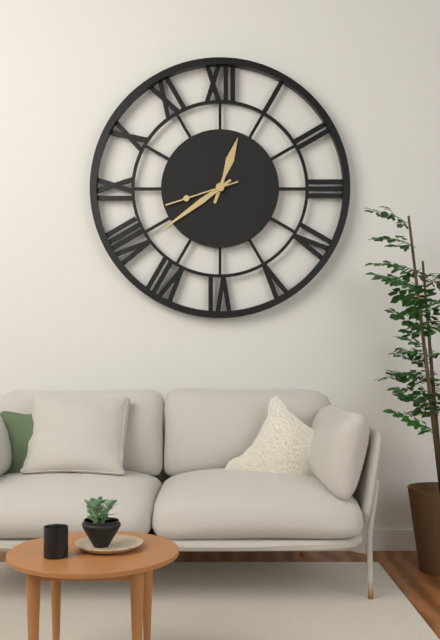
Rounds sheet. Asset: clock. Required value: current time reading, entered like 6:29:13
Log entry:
12:39:42
